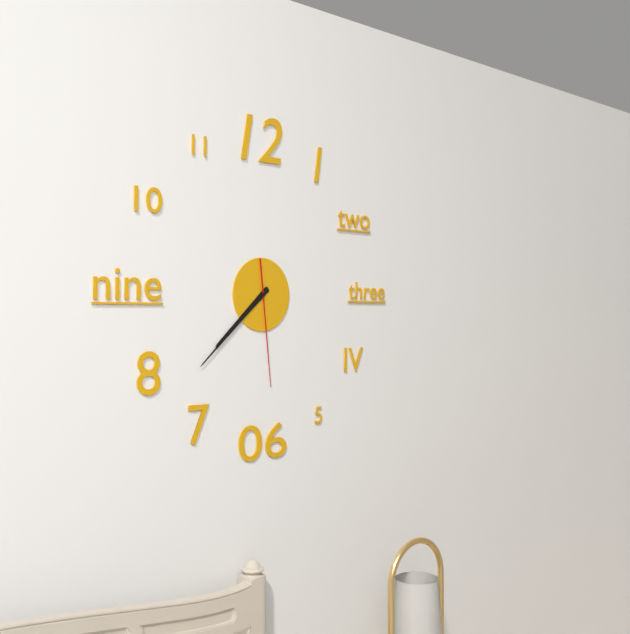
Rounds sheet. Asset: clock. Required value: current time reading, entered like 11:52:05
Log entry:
7:38:29
